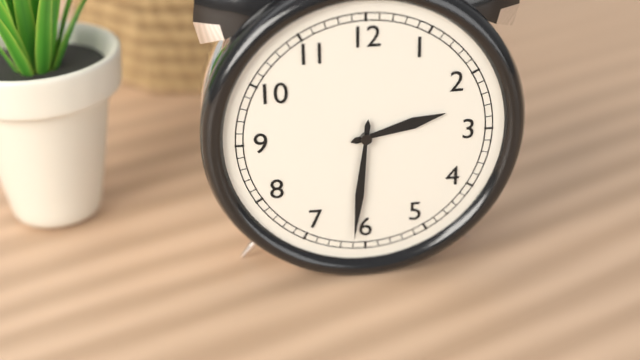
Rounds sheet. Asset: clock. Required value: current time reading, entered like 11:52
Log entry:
2:31
